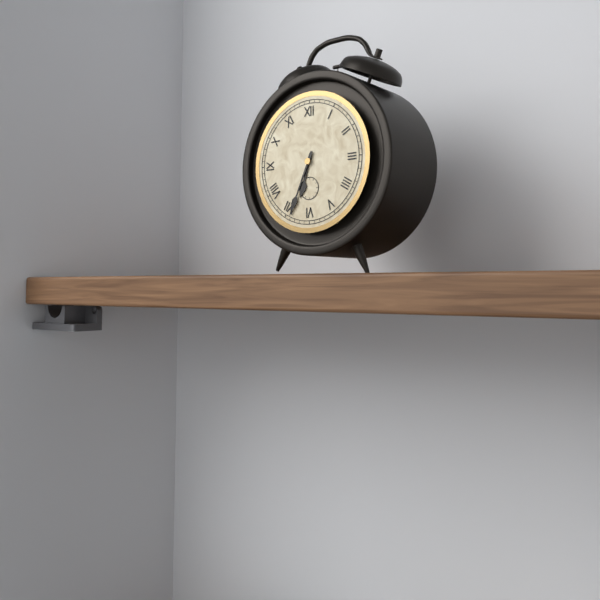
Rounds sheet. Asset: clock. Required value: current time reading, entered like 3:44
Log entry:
6:34
